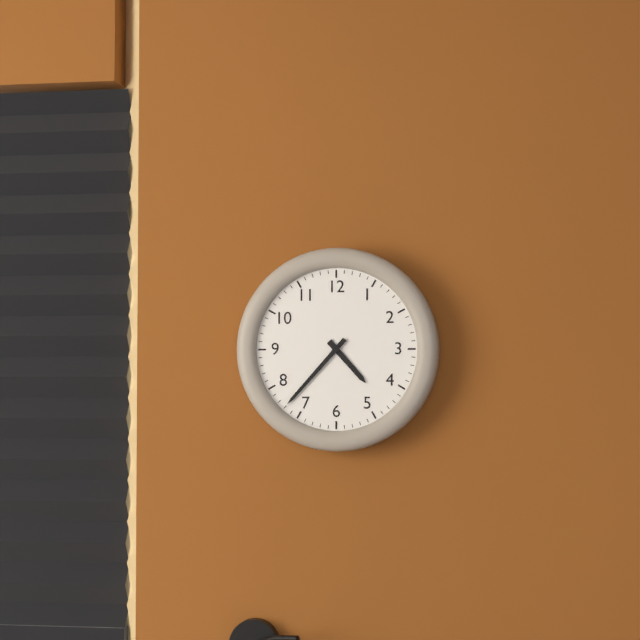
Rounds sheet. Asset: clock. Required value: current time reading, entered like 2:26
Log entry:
4:37
